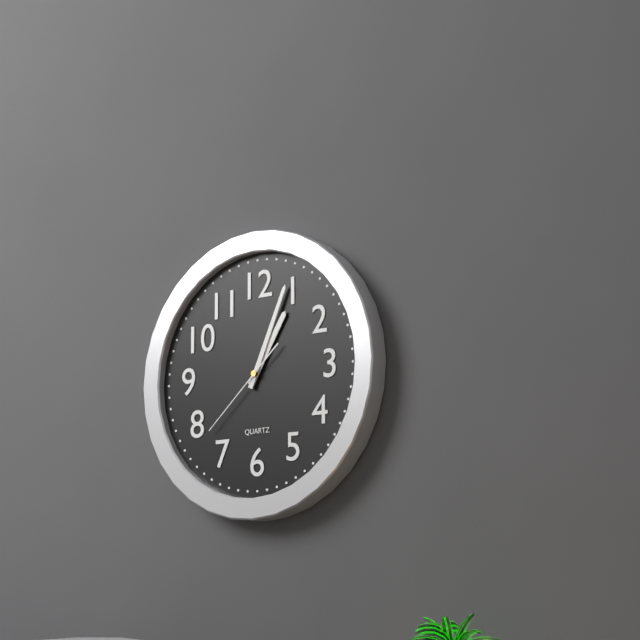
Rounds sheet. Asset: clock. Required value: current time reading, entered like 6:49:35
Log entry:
1:04:38
